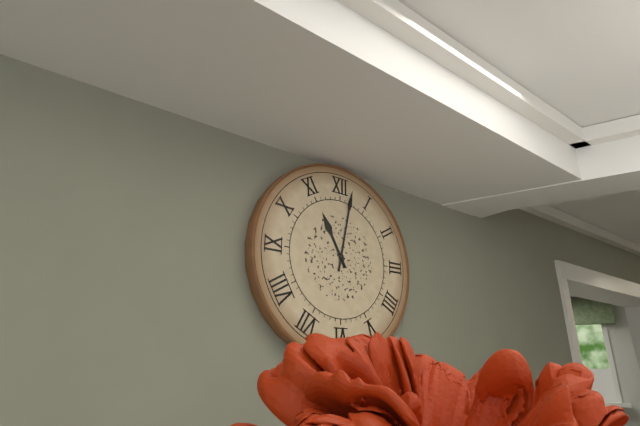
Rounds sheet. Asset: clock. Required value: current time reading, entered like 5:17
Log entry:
11:02
